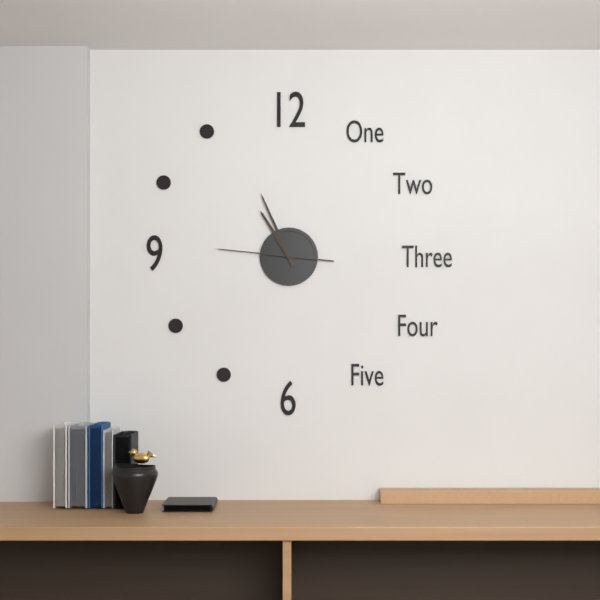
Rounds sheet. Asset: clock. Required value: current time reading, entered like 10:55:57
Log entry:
10:56:46
